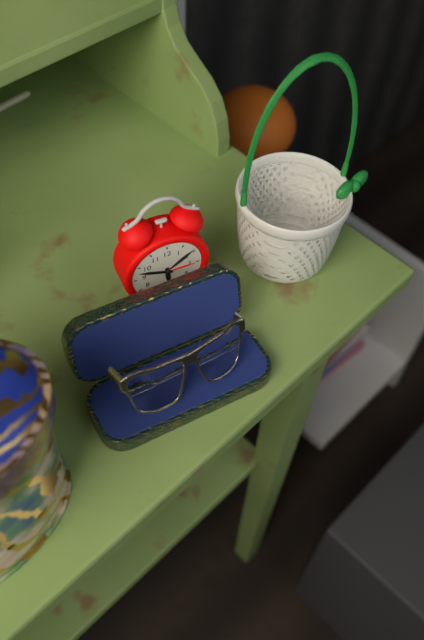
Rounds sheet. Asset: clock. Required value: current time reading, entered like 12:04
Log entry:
5:48
